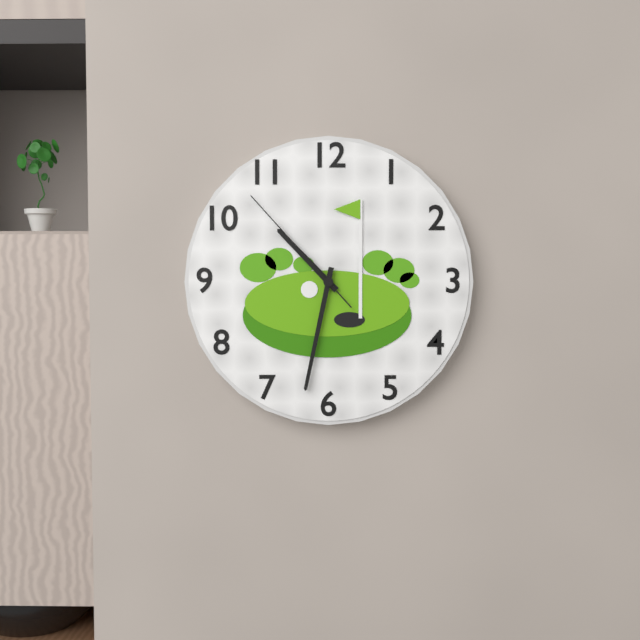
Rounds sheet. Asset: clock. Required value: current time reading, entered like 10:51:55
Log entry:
10:32:53
